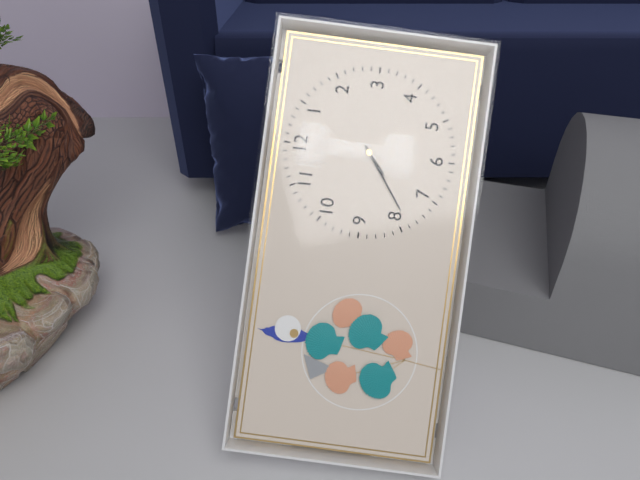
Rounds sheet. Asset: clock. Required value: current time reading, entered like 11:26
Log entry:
7:39
